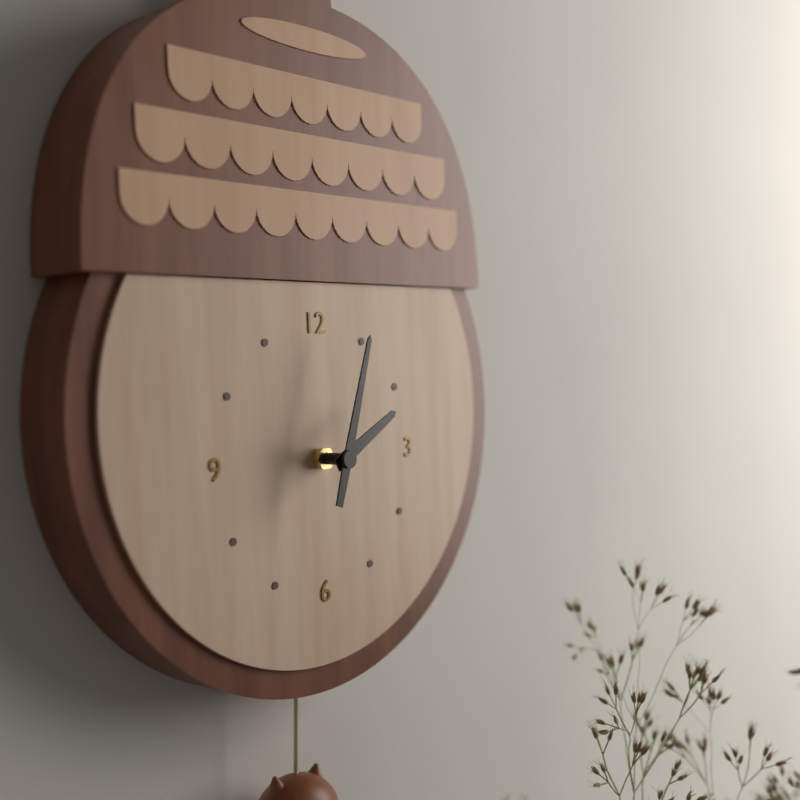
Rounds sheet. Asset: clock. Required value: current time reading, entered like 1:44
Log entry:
2:03
